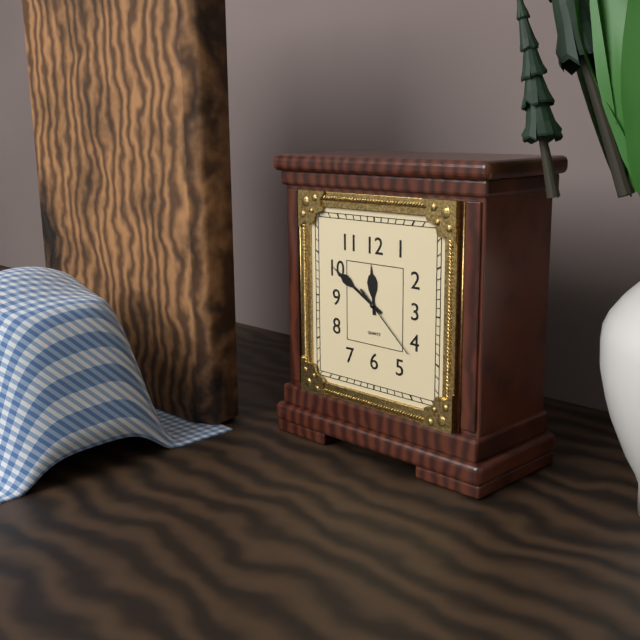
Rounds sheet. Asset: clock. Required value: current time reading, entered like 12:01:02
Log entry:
11:50:22
